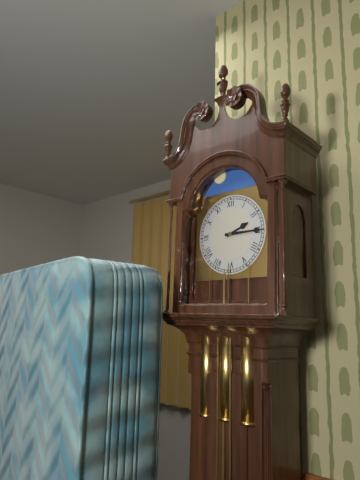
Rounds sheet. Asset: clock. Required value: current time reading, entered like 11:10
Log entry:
2:15
